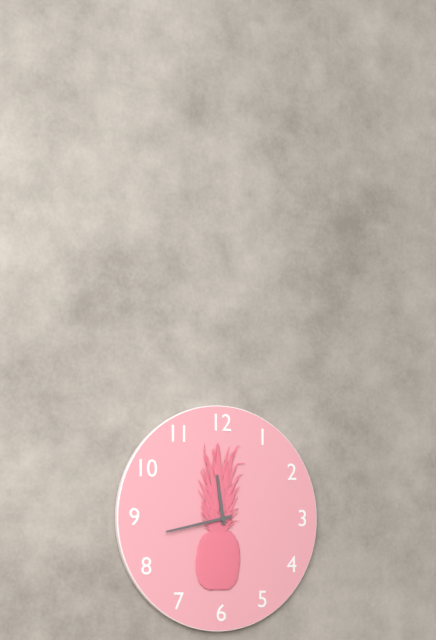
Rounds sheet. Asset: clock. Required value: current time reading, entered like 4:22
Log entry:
11:43
